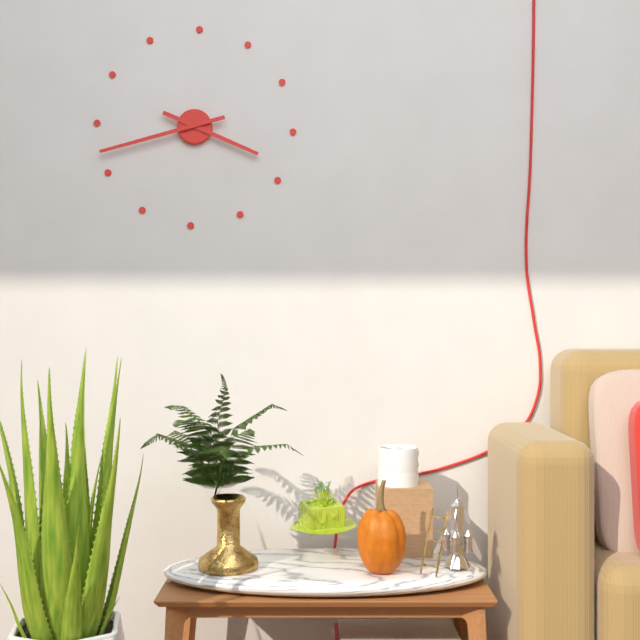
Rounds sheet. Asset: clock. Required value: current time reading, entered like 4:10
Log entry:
3:42
